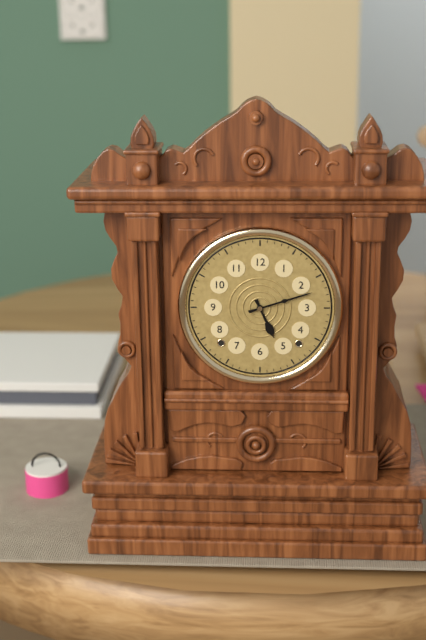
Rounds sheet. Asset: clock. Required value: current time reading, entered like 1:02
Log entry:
5:12
